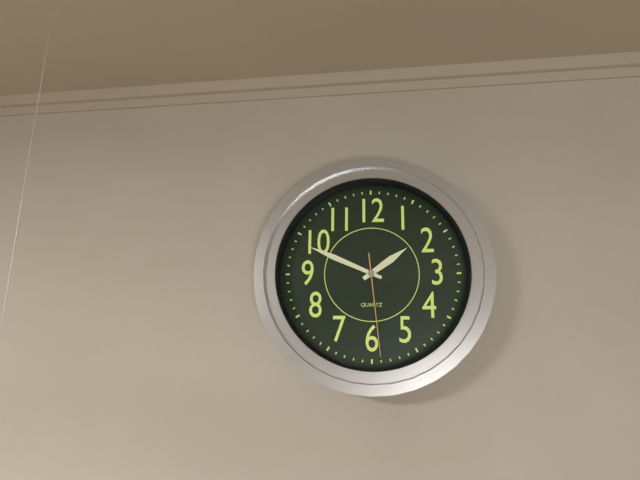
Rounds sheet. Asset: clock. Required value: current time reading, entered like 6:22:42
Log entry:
1:49:29
